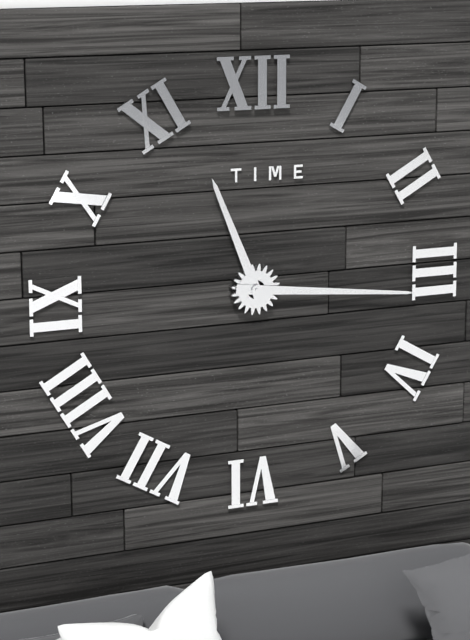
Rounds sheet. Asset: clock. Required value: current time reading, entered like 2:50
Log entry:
11:16
